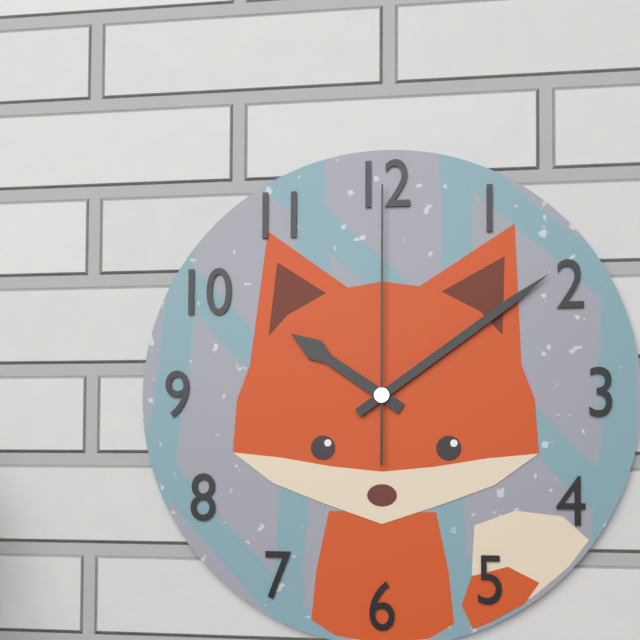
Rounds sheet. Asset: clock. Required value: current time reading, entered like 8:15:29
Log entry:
10:09:00
